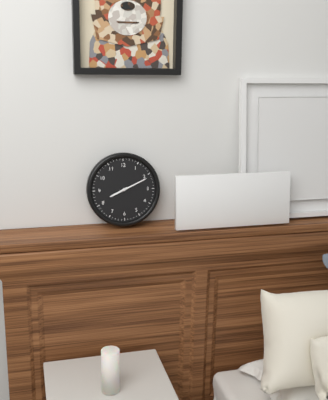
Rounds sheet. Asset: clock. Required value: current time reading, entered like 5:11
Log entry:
8:11
